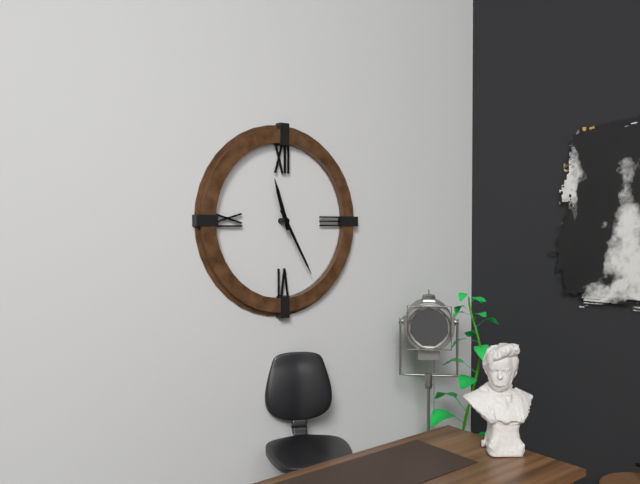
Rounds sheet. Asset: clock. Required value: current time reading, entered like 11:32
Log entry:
11:25
